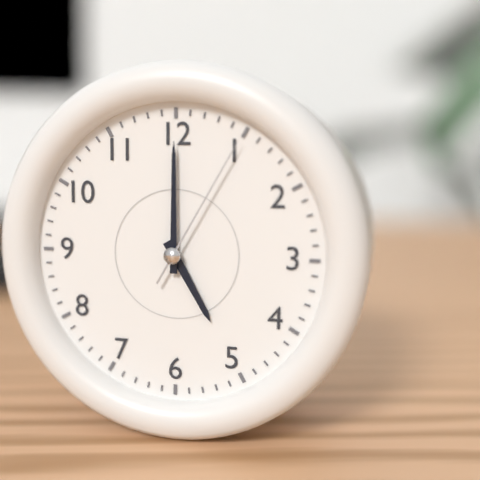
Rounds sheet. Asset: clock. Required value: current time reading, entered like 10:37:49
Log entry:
5:00:05
